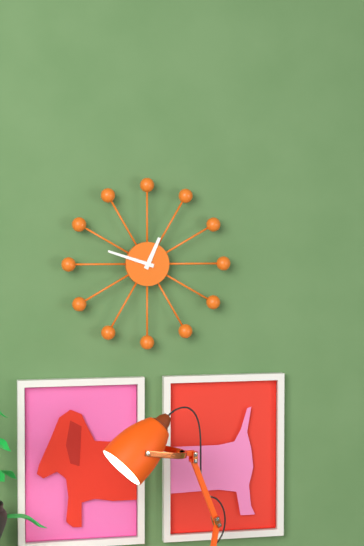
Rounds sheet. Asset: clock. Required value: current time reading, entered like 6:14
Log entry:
12:48
